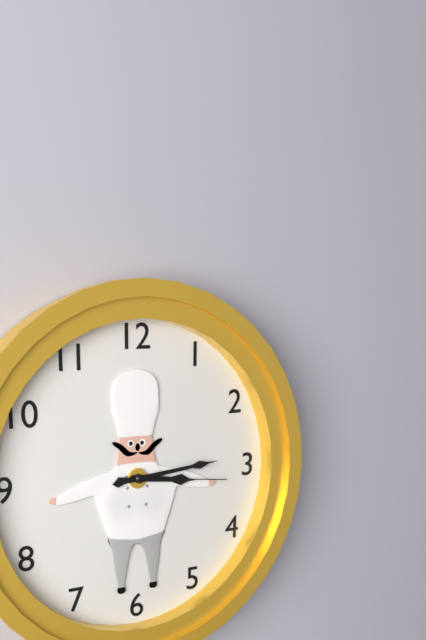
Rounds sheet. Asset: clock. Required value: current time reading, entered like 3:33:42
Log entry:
3:14:16
